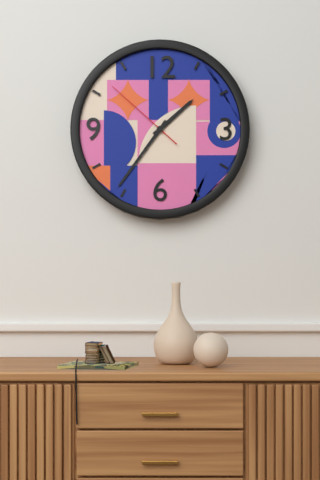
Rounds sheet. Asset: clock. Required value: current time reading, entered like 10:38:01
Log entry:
1:36:52
